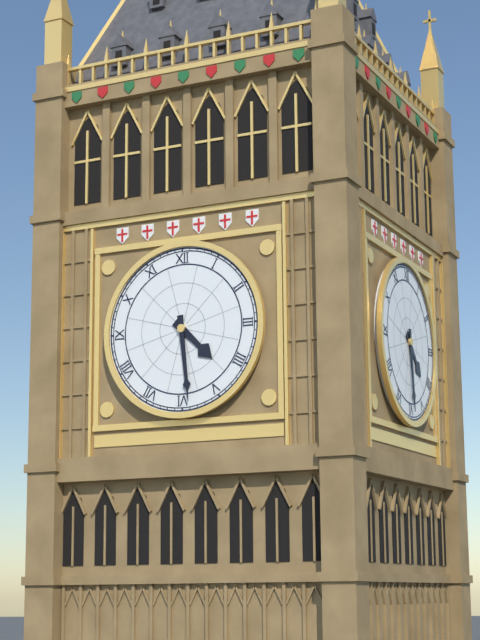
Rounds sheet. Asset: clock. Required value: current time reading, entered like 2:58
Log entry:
4:29
